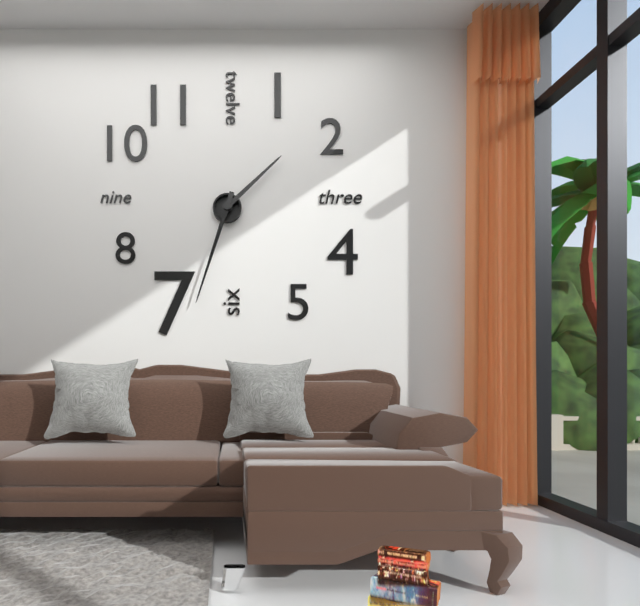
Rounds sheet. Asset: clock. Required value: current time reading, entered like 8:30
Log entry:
1:33
